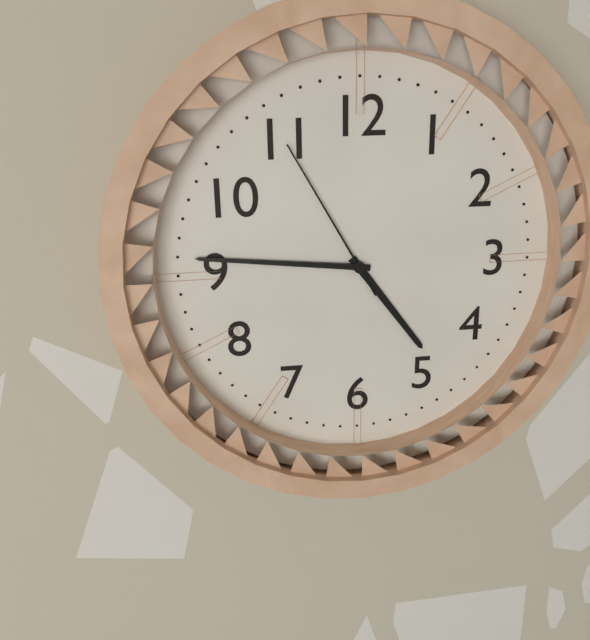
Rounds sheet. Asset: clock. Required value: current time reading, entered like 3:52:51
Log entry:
4:46:55
